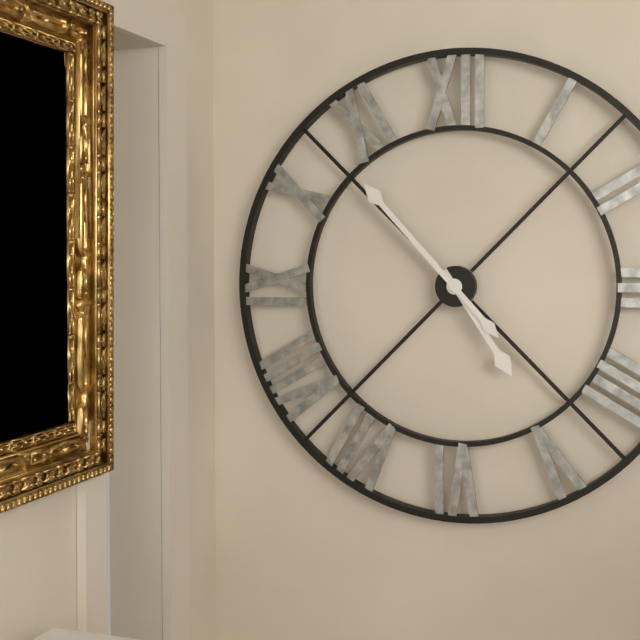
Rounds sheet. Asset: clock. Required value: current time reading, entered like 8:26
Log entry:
4:53
